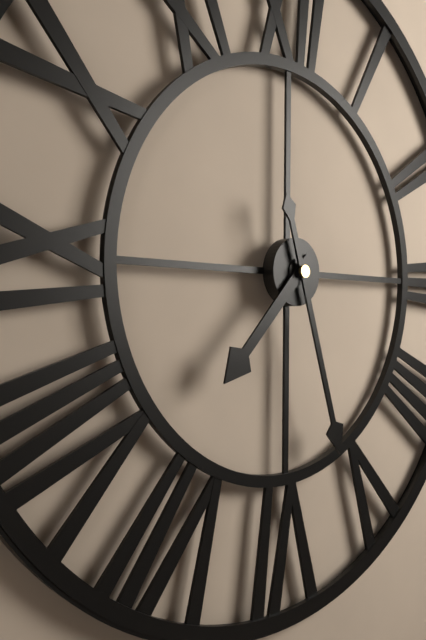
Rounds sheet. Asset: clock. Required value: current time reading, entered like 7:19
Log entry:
7:27
